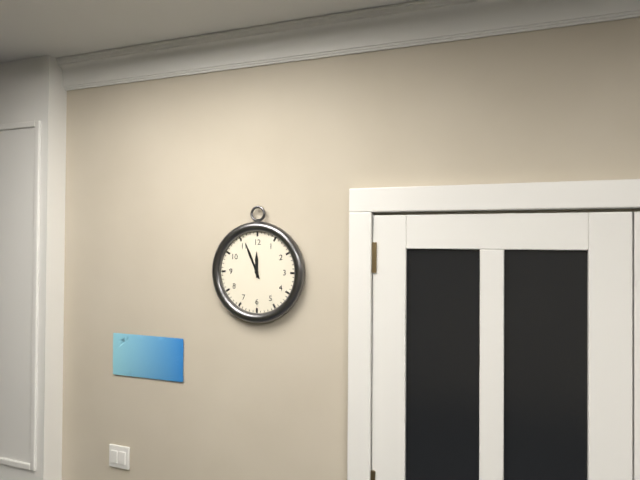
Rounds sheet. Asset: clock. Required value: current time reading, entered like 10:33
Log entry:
11:56
